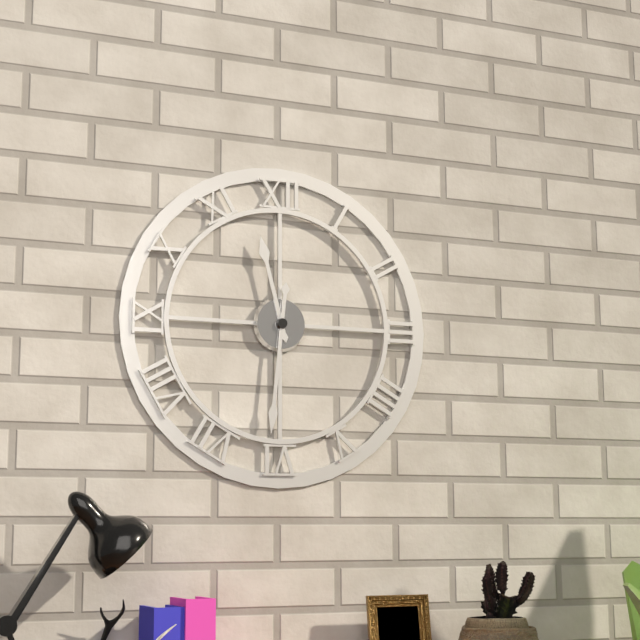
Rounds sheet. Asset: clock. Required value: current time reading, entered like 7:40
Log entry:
11:31
